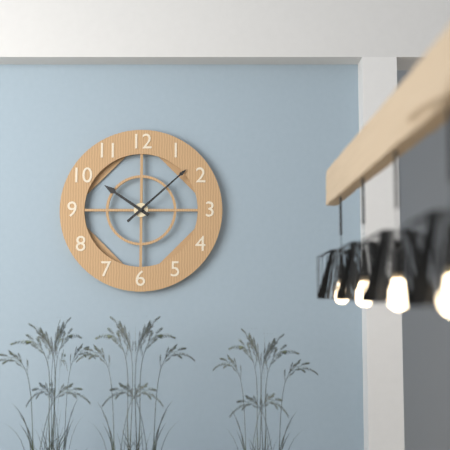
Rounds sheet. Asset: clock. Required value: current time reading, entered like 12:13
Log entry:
10:08
